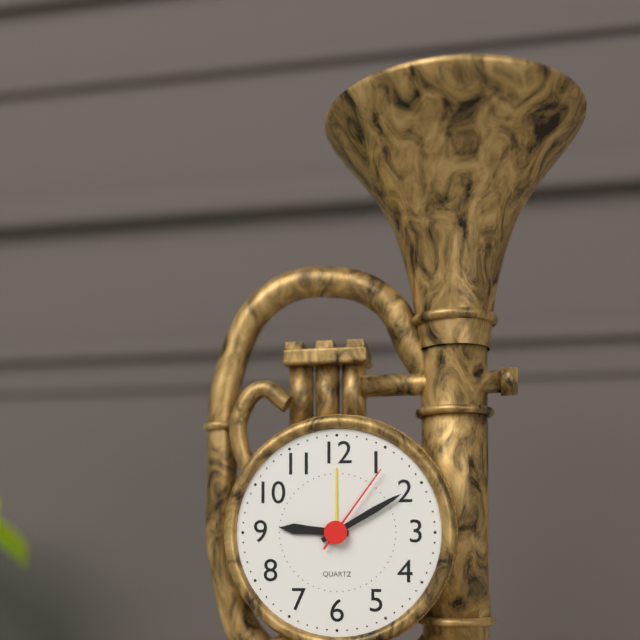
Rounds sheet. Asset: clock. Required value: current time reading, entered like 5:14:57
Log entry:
9:10:06
